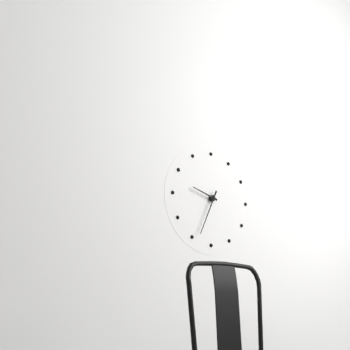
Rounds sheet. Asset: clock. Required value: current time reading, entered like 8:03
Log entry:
9:34
